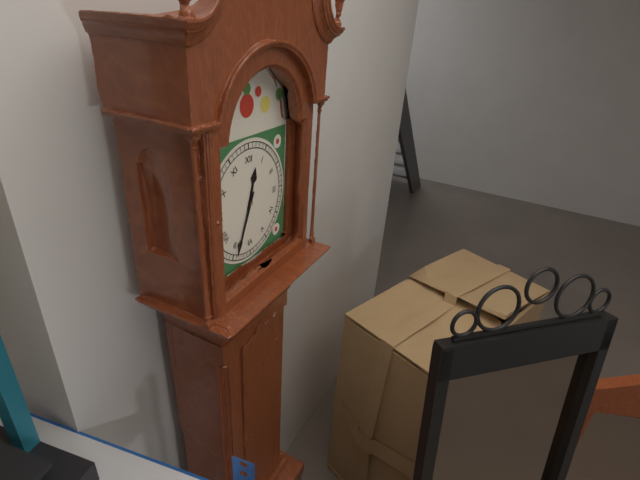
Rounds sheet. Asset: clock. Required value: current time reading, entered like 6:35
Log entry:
12:34
